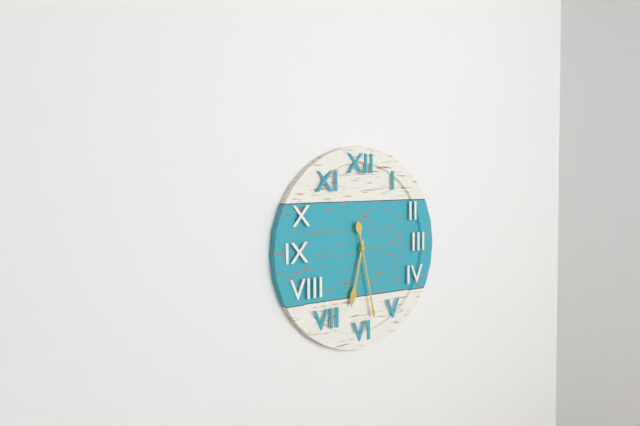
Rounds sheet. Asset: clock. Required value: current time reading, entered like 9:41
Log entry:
6:28
